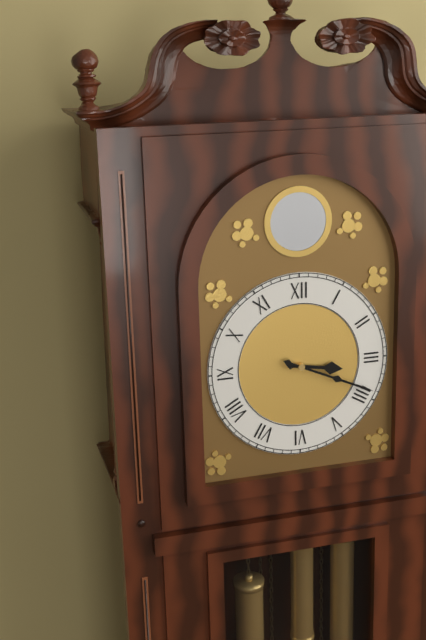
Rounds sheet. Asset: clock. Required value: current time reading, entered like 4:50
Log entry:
3:19
